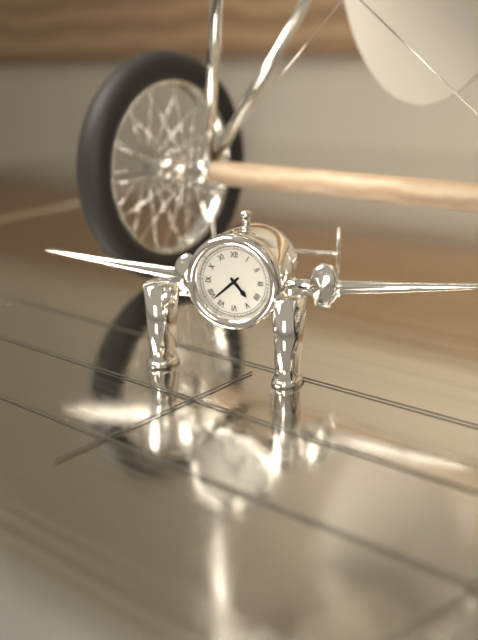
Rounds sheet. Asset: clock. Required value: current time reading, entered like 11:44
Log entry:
4:38
